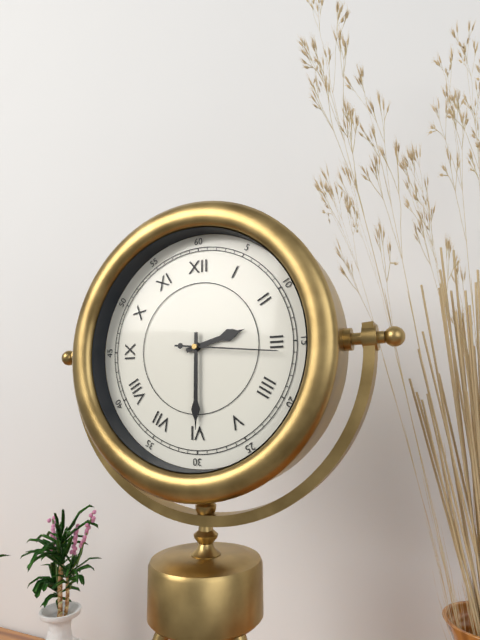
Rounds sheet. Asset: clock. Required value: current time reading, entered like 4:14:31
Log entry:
2:30:16
